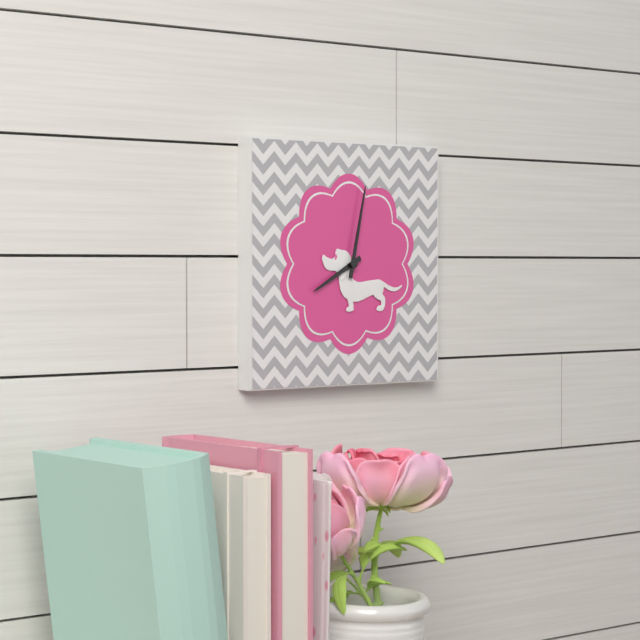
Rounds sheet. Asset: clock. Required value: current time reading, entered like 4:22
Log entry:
8:02
